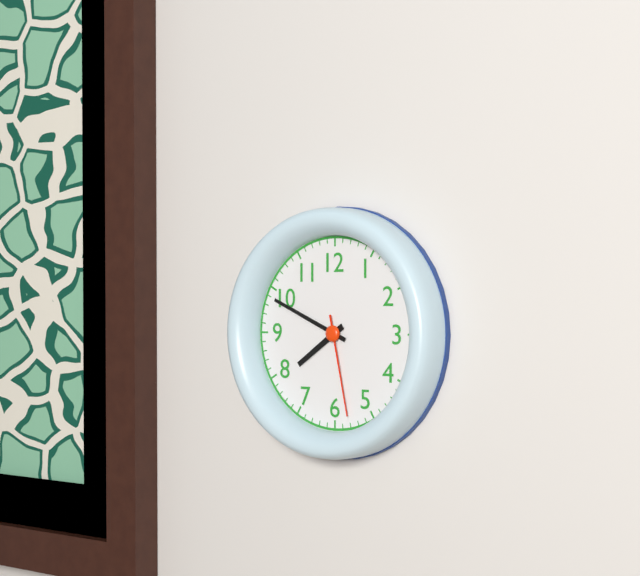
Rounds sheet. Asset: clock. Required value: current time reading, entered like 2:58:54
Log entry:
7:49:28
